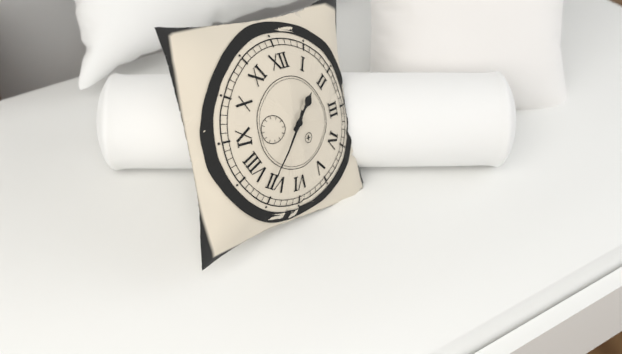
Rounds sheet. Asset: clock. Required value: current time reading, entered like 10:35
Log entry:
1:36
